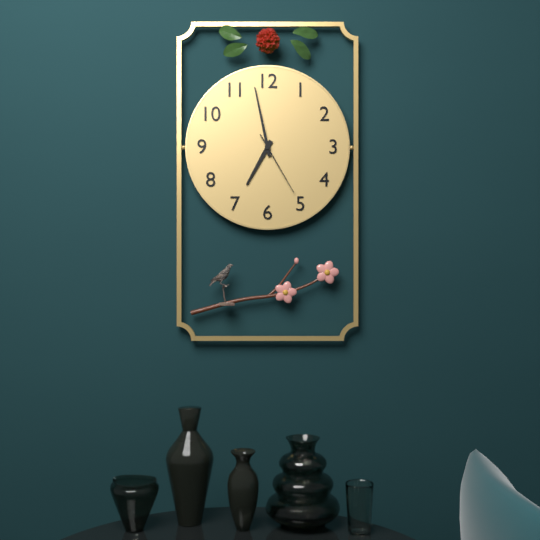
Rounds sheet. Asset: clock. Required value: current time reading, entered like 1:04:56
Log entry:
6:58:25
